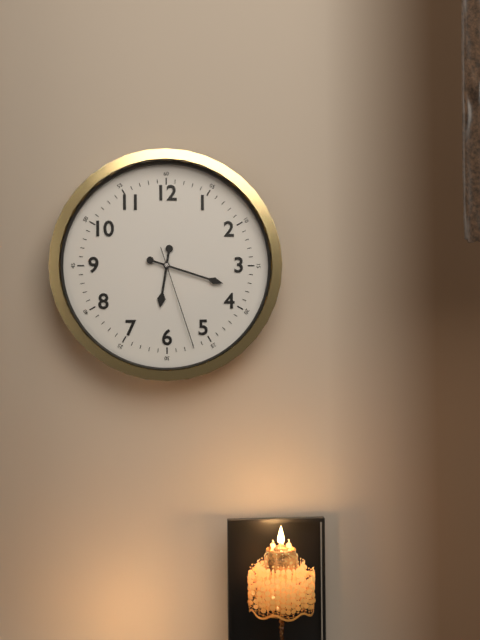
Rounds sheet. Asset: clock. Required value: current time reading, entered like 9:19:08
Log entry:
6:18:27
